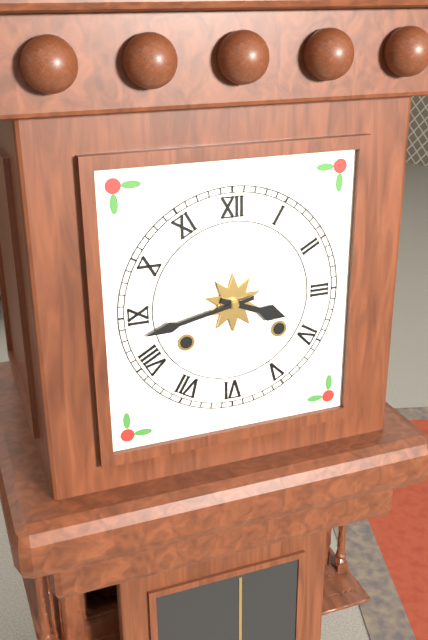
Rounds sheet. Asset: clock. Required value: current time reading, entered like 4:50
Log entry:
3:43
